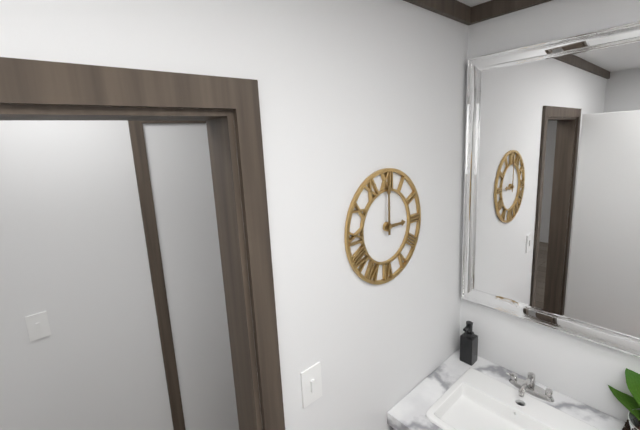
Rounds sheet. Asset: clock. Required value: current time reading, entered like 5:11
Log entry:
3:00
